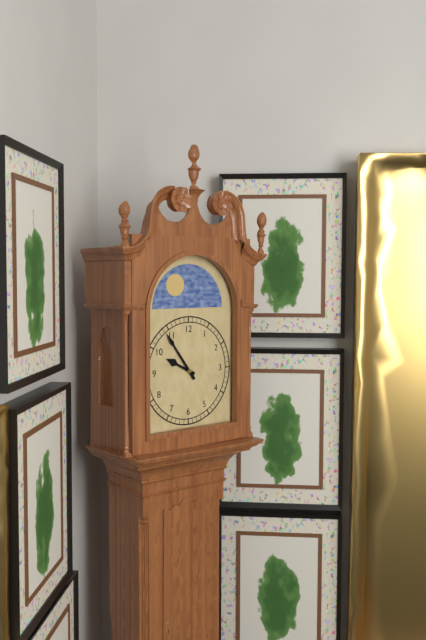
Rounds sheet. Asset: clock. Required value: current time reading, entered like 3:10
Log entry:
9:54
